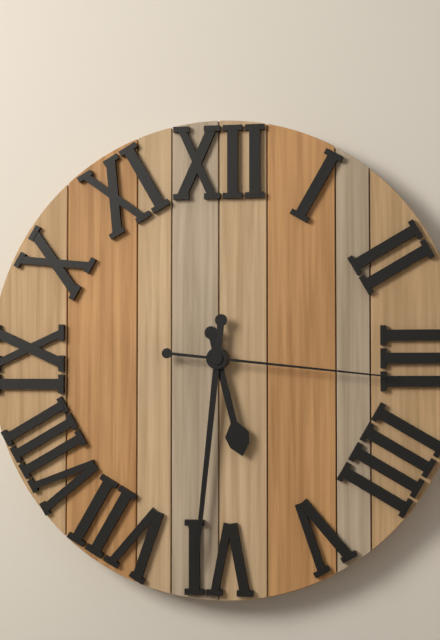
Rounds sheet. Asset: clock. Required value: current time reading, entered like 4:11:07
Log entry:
5:31:16
